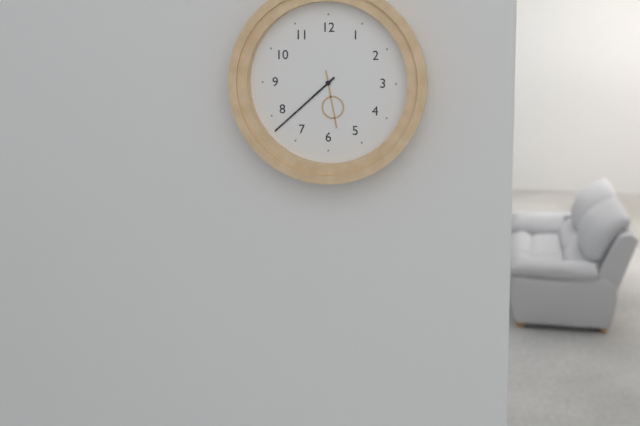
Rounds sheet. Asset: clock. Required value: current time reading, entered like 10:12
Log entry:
5:38
